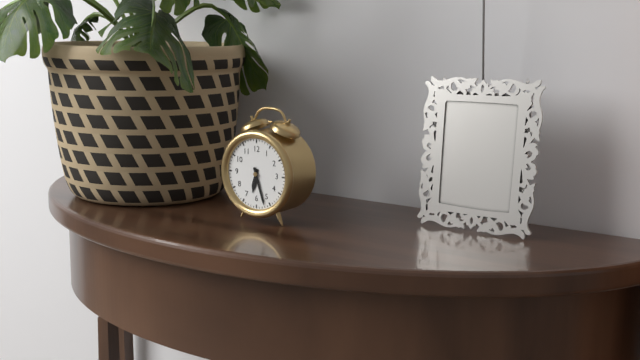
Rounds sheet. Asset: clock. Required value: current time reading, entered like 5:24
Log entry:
6:27
